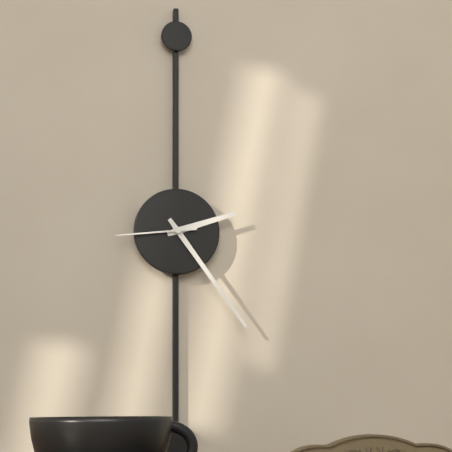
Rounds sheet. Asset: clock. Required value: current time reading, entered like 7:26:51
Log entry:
2:24:44
